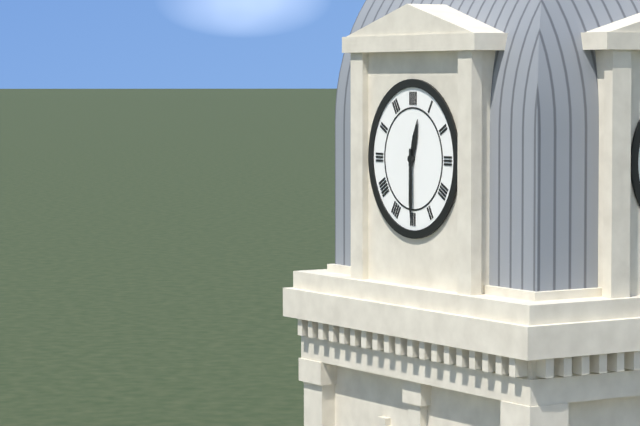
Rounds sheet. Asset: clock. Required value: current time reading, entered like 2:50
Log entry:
12:30
